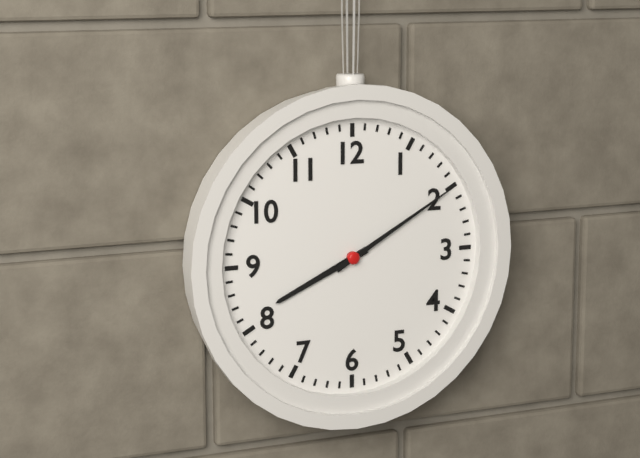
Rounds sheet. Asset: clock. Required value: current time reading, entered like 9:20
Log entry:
8:10
